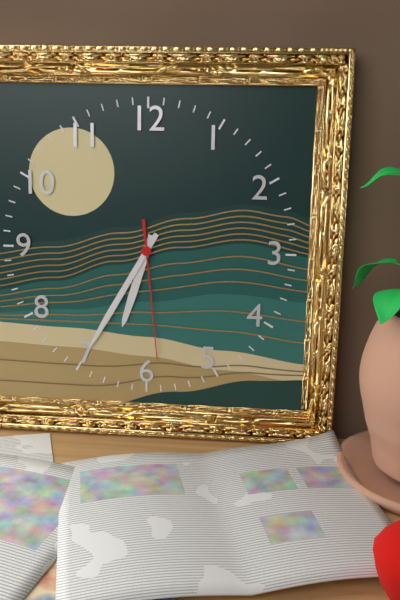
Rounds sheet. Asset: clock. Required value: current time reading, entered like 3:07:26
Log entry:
6:35:29
